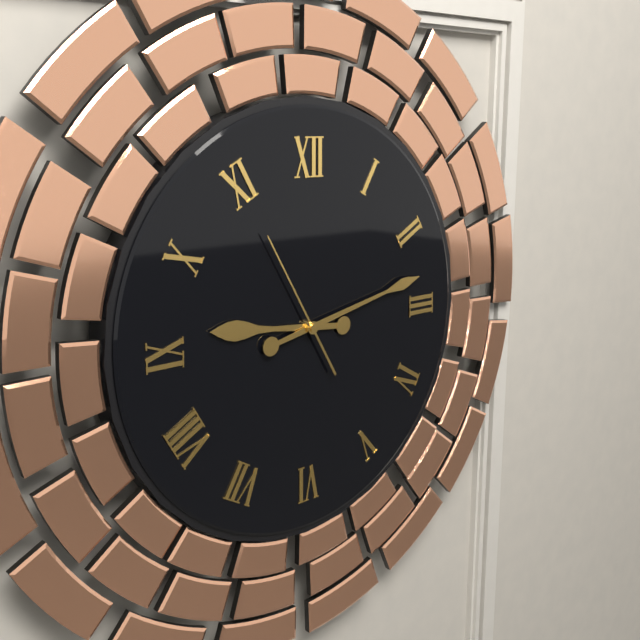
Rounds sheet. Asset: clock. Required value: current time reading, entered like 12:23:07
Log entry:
9:13:55
